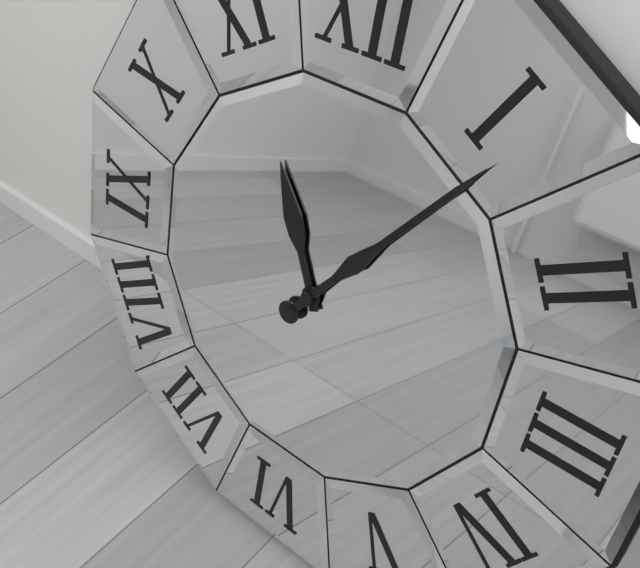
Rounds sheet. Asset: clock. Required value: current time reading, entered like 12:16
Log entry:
11:06
